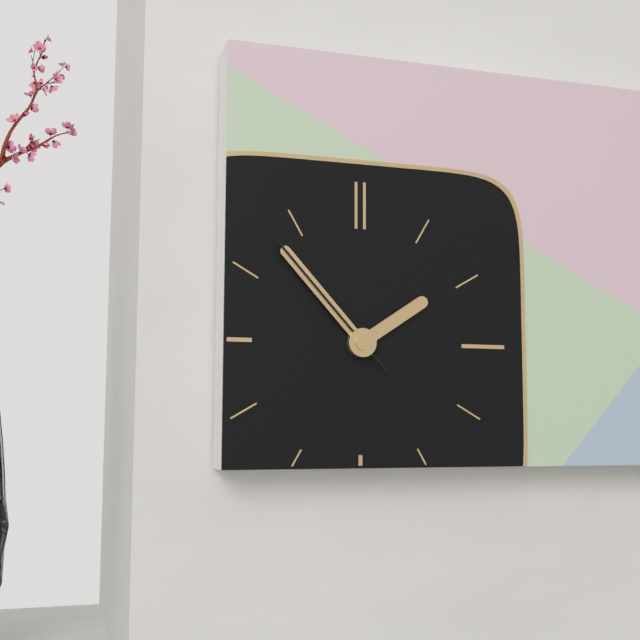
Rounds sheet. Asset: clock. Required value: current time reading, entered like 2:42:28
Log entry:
1:53:53
